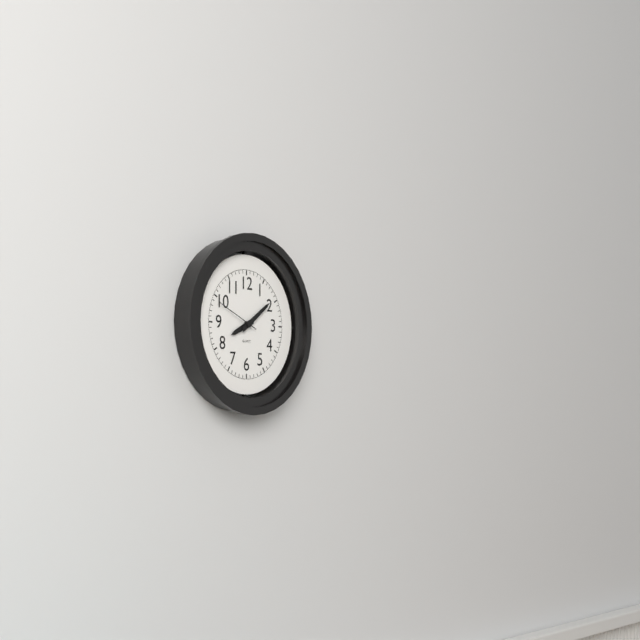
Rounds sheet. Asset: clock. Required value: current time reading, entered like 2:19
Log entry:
8:09
